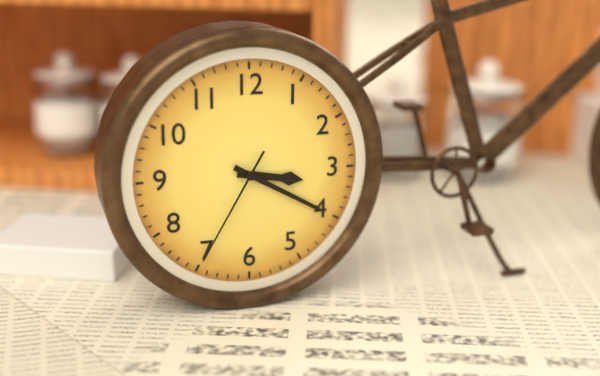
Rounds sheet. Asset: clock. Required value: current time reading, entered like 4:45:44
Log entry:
3:20:35
